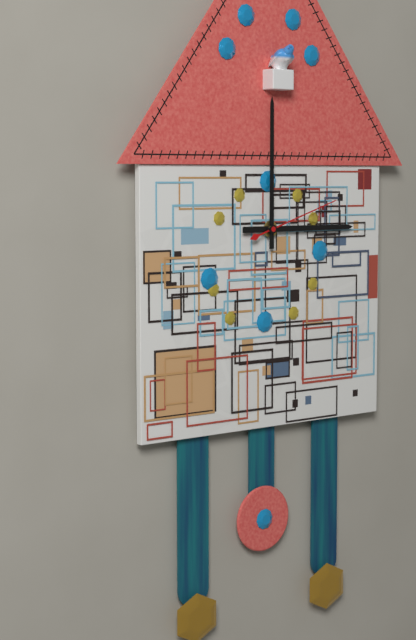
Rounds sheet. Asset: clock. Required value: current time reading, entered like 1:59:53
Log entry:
3:00:12
